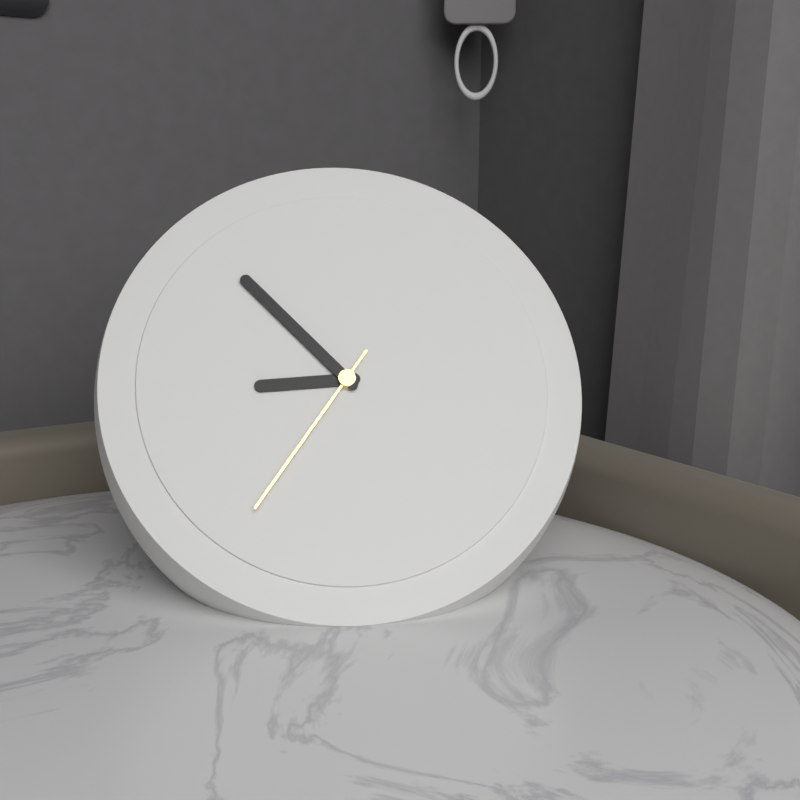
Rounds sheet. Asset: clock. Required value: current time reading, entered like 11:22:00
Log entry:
8:53:36
